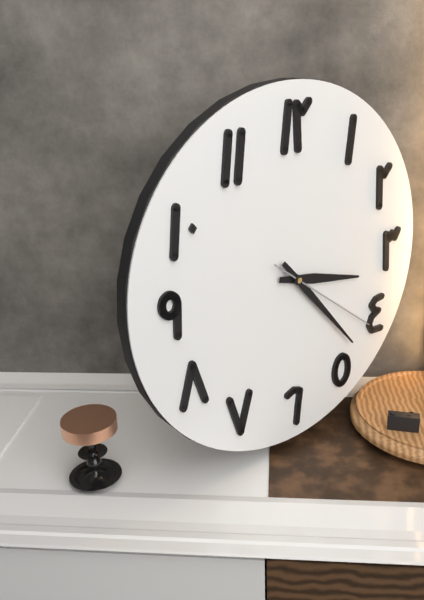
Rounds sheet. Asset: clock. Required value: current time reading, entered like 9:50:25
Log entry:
3:23:21
